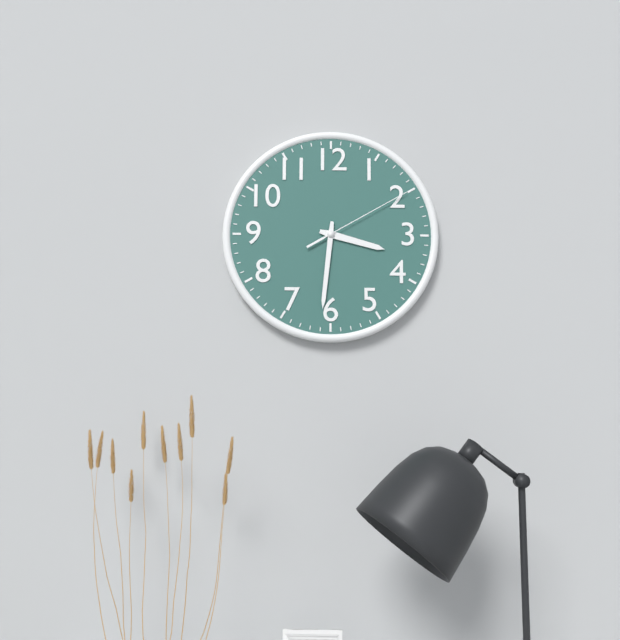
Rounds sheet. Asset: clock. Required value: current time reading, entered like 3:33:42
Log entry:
3:31:10
